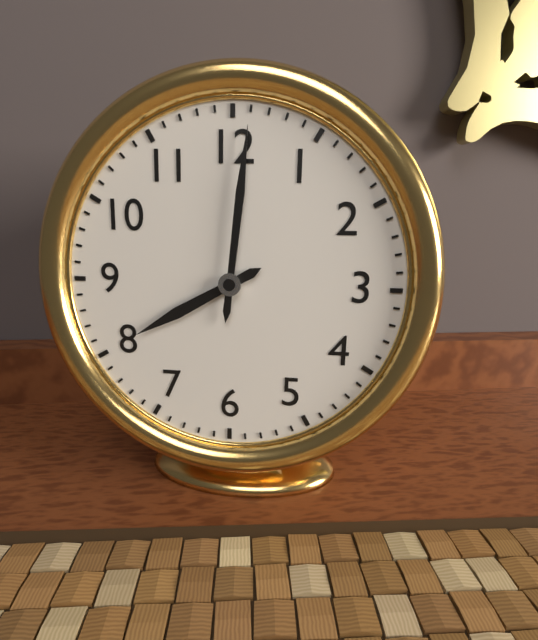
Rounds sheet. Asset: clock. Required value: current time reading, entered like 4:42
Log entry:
8:01
